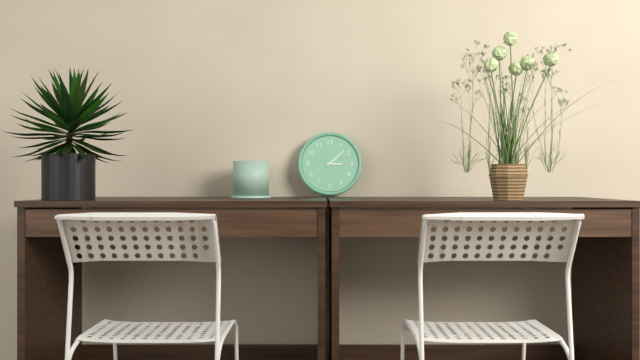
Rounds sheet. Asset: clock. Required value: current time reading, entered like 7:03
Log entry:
3:08
